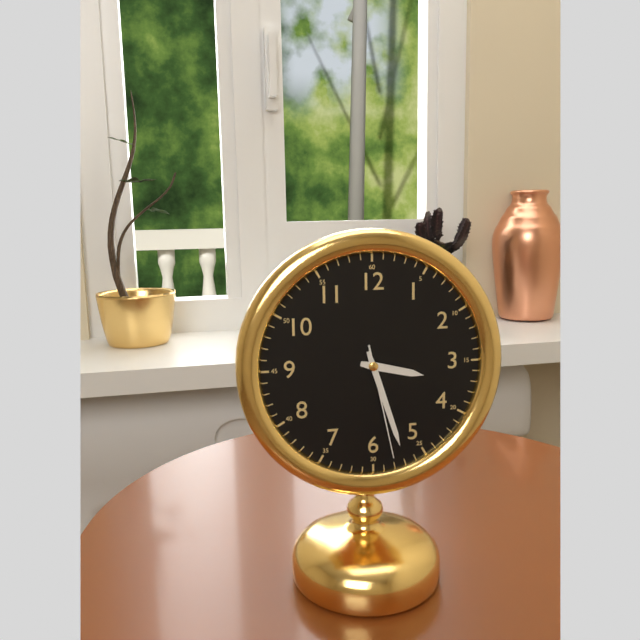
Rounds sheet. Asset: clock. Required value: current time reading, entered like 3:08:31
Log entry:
3:27:28
